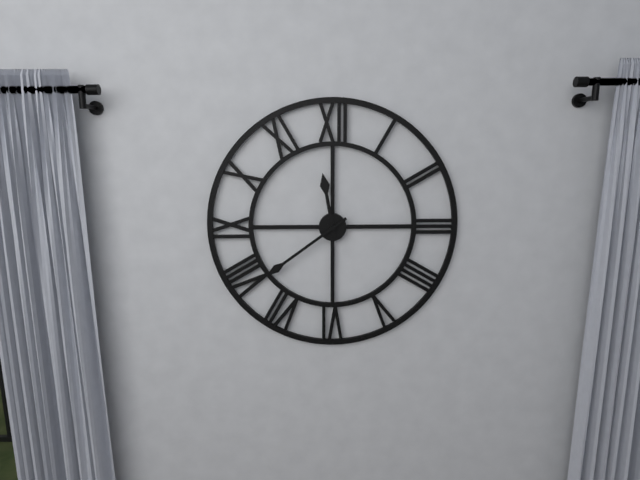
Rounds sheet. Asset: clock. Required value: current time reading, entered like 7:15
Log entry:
11:39
